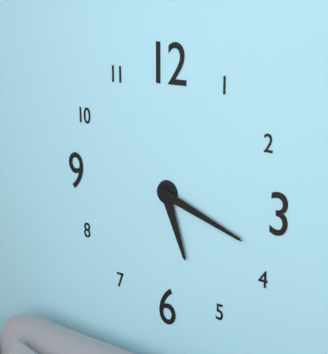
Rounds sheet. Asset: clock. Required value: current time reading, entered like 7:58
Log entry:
5:18
